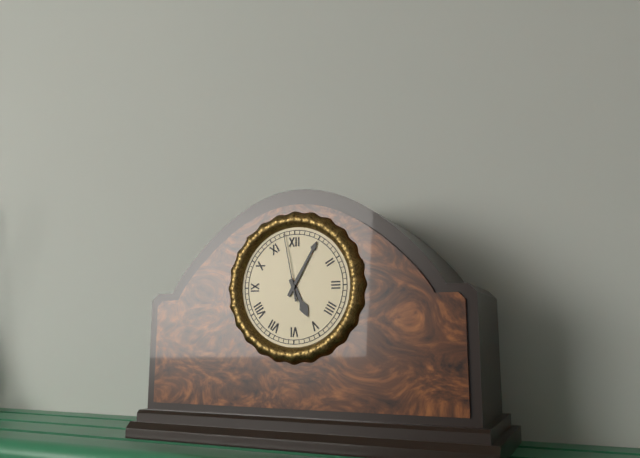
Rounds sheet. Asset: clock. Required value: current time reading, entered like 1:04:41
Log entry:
5:05:58
